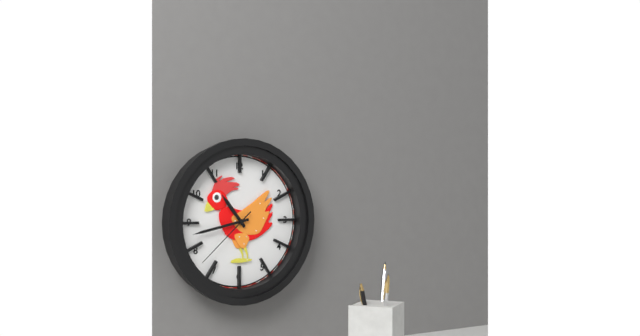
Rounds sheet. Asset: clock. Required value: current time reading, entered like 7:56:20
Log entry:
10:43:38
